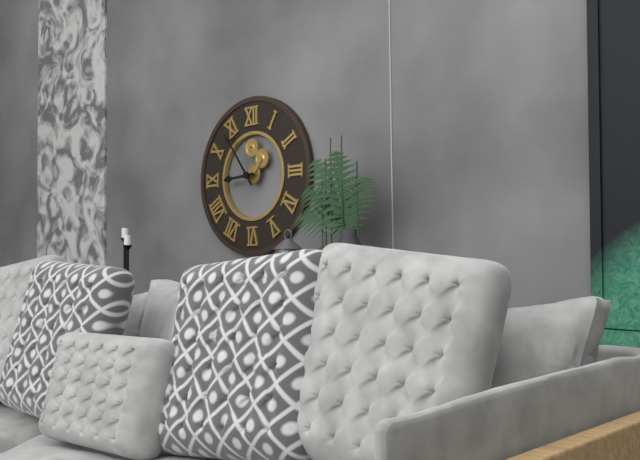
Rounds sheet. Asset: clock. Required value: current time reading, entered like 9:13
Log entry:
8:54
